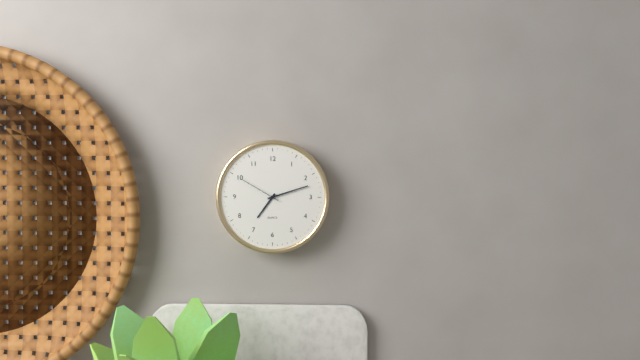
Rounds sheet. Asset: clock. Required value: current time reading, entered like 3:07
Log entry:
7:12
